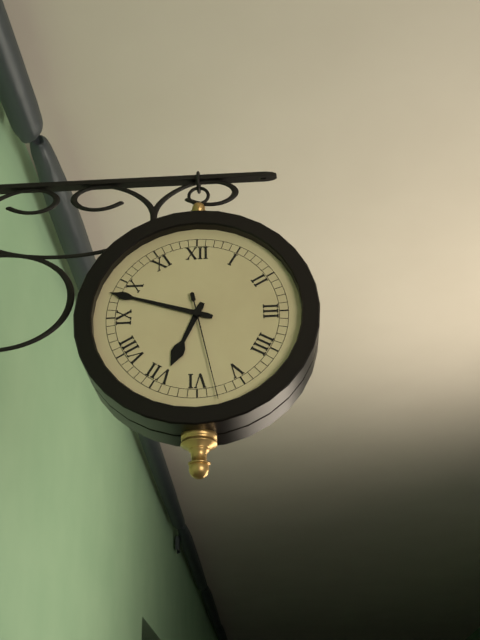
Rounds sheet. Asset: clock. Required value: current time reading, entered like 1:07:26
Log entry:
6:48:28
